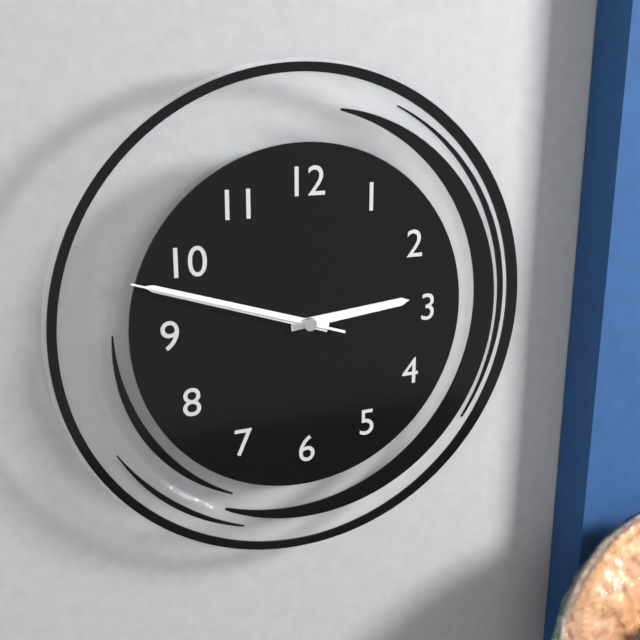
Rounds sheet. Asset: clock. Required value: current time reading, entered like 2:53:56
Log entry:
2:48:48
